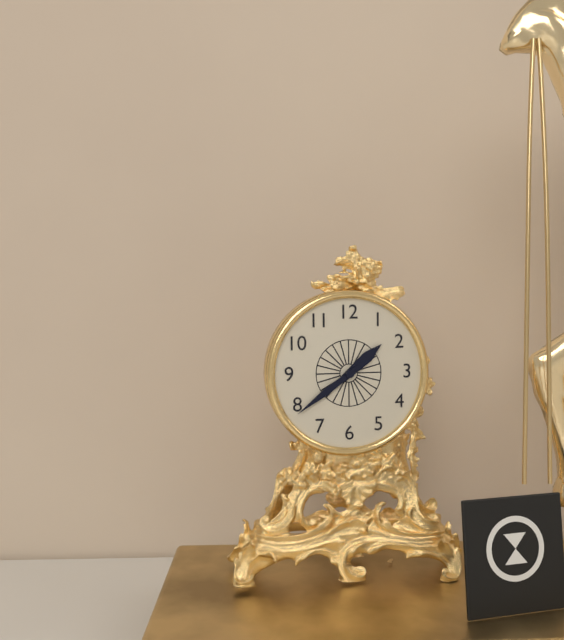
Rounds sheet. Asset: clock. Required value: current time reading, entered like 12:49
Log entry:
1:39
